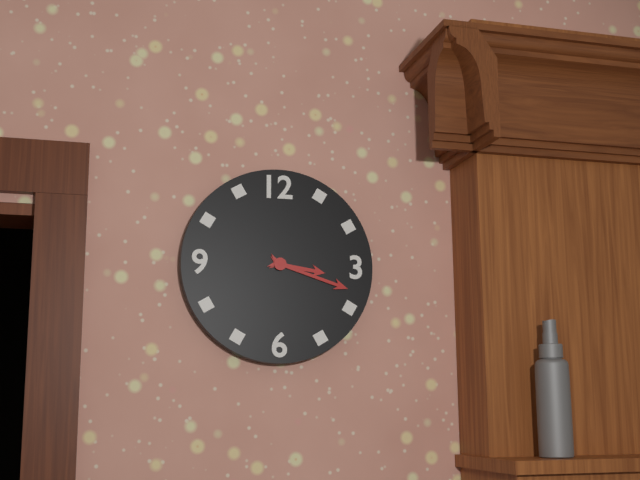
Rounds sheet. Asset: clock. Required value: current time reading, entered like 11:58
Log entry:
3:18
